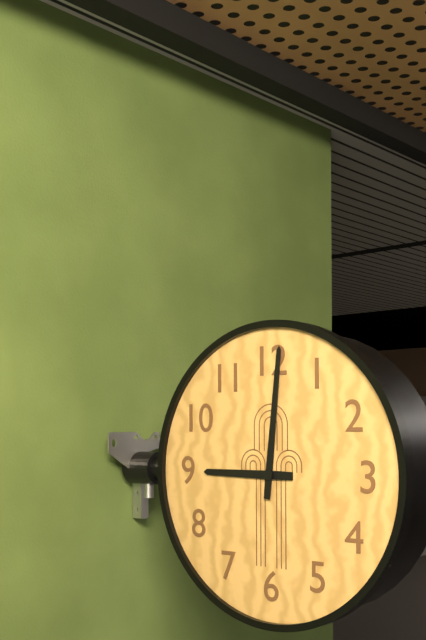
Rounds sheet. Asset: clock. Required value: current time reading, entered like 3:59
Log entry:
9:01
